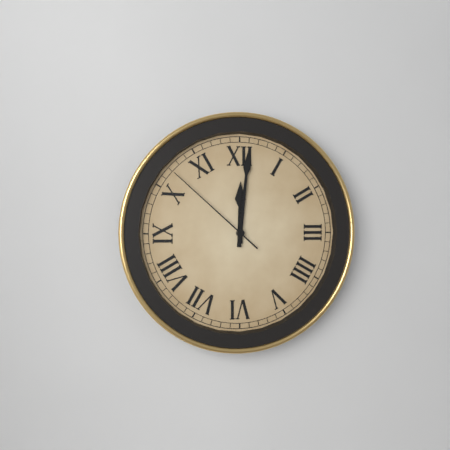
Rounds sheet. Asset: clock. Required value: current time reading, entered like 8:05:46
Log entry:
12:01:52
